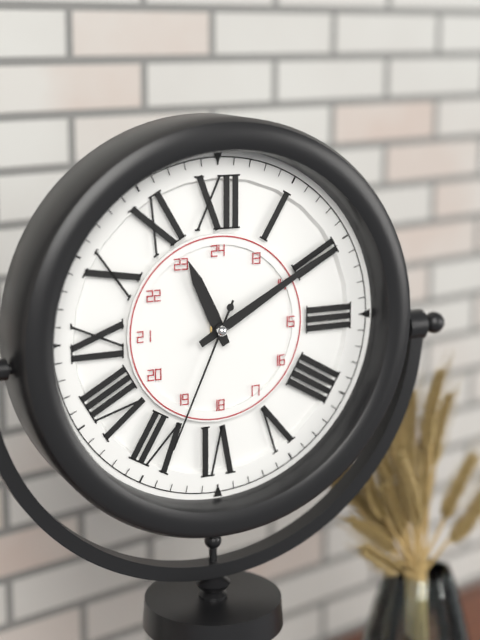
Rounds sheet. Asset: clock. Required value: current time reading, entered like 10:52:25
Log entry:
11:10:34
